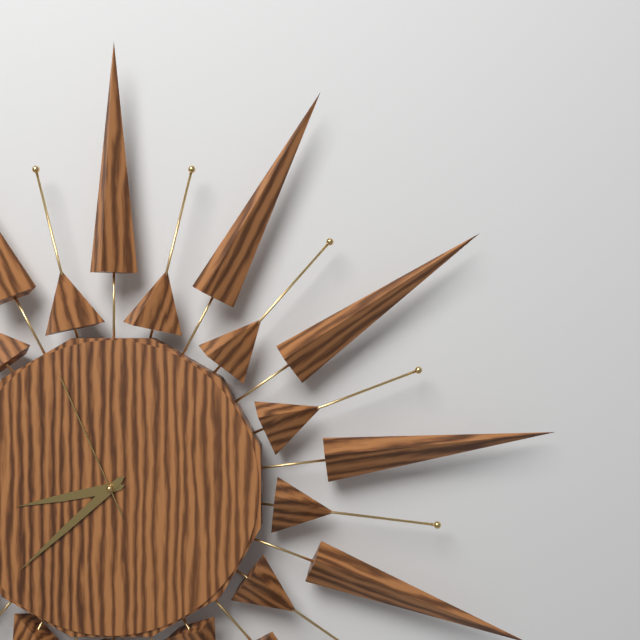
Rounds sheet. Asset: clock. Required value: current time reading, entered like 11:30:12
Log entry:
8:38:56
